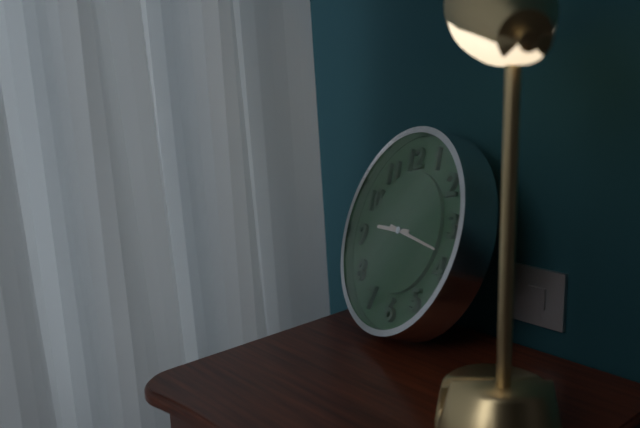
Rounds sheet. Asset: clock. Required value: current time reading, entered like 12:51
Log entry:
9:18
